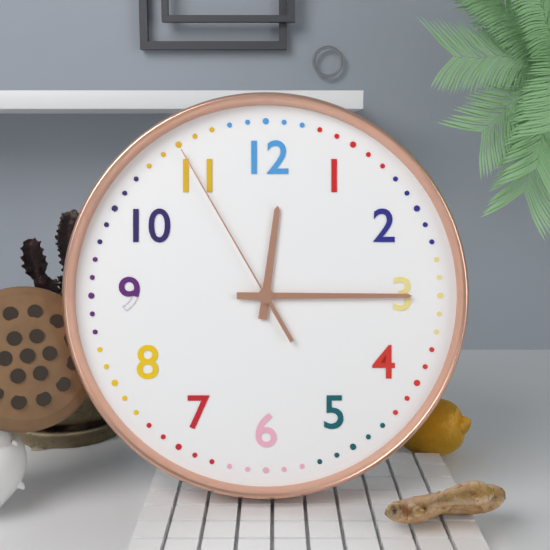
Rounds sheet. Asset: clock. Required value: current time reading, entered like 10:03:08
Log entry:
12:15:55
